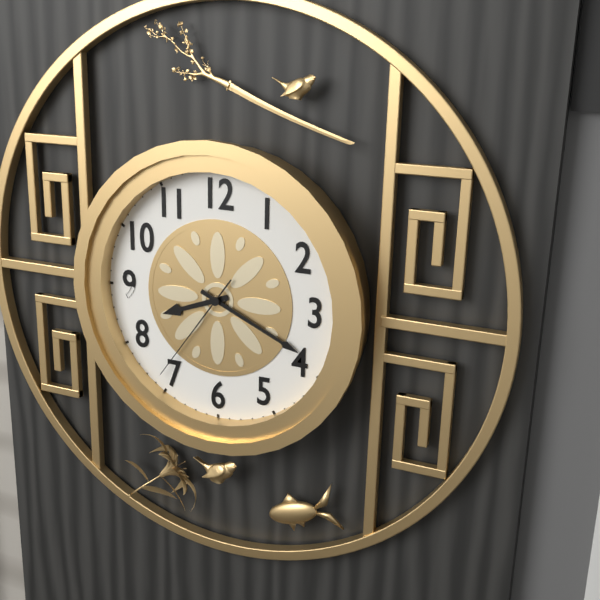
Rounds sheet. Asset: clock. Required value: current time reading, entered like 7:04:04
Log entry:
8:19:36
